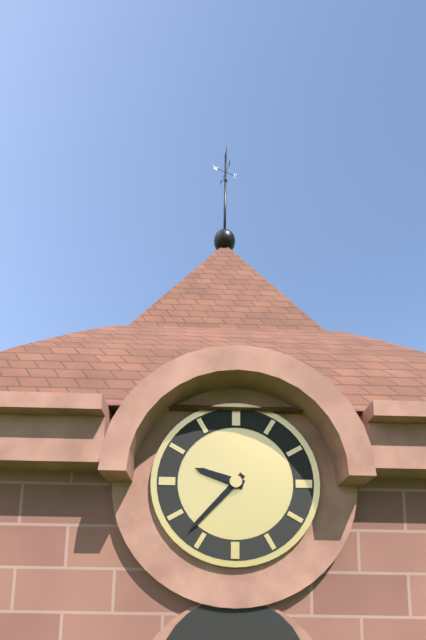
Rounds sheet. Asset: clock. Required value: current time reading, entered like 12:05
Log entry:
9:37
